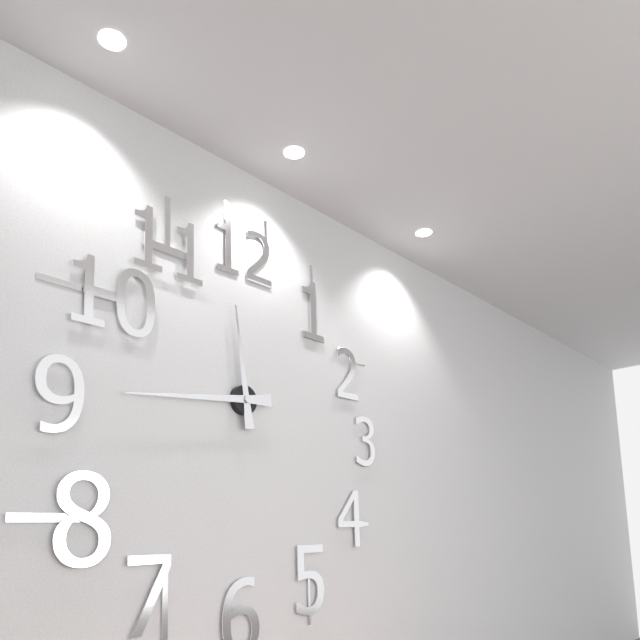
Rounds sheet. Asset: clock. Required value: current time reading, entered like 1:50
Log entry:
11:44
